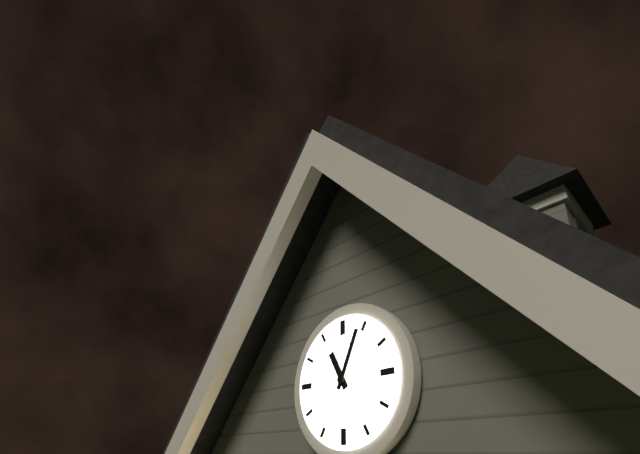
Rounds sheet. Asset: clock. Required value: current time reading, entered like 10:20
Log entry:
11:04
